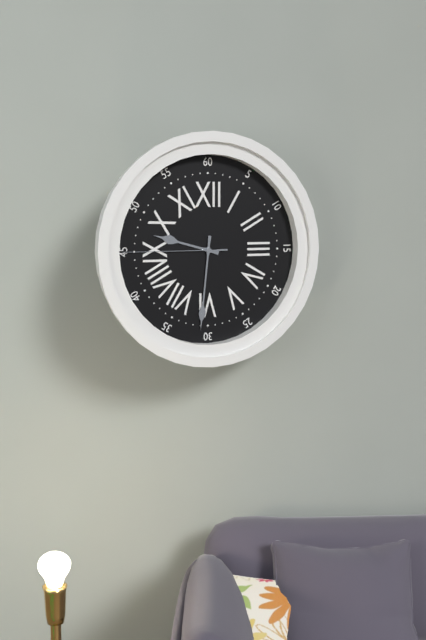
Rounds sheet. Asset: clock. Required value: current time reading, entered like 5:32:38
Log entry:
9:31:45
